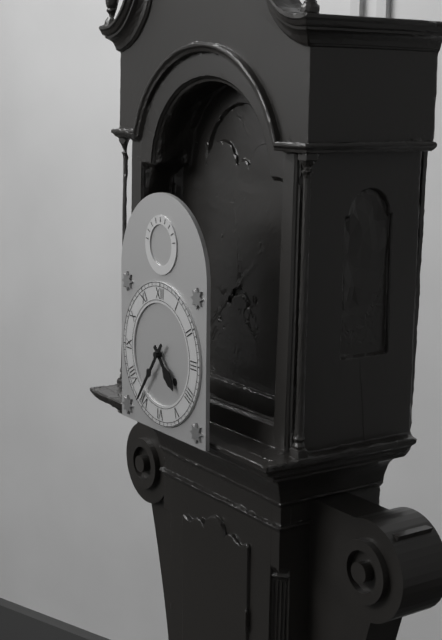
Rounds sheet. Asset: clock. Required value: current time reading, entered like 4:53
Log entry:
4:36
